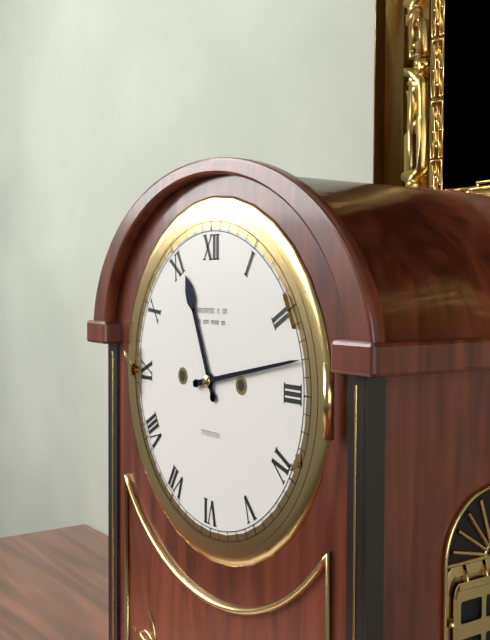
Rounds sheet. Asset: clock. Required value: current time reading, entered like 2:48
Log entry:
11:13
